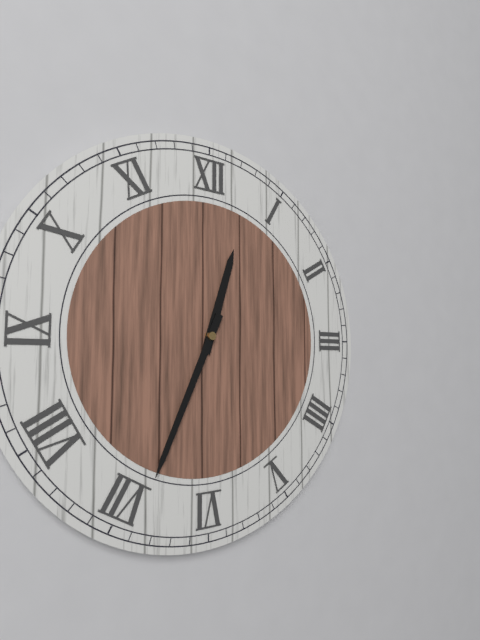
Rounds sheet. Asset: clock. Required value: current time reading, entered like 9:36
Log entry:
12:34
